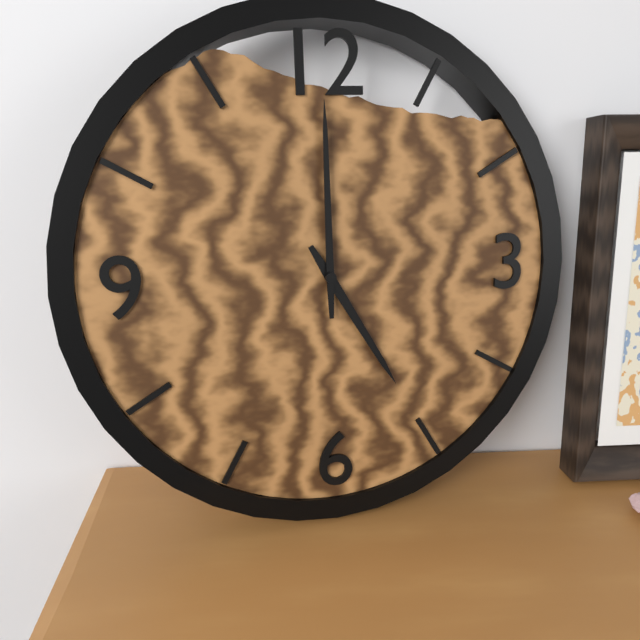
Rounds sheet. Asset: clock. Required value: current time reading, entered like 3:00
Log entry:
5:00
